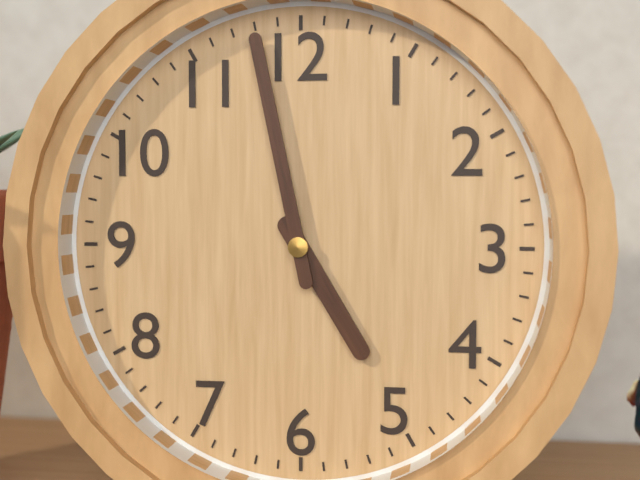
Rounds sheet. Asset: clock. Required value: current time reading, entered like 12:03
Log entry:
4:58
